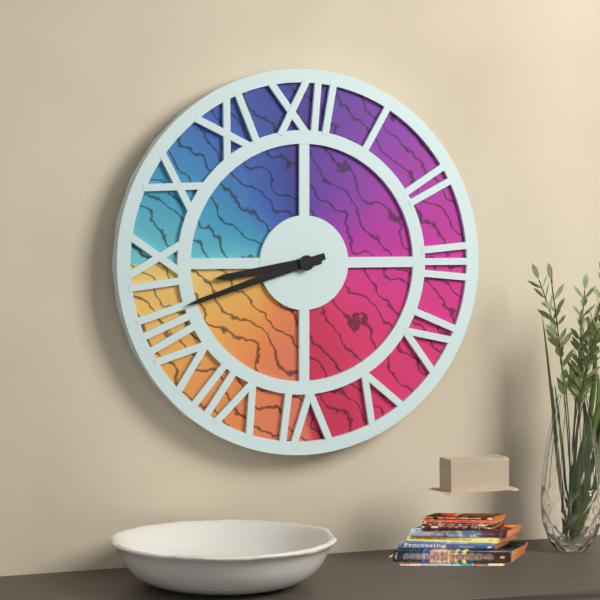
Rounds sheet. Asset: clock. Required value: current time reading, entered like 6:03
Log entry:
8:42
